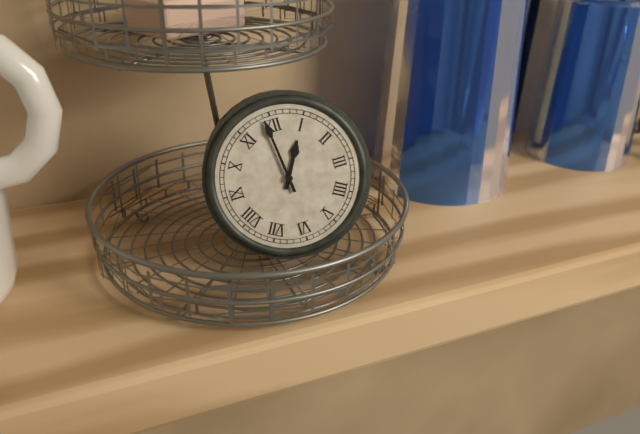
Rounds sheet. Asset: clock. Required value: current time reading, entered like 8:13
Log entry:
12:59
